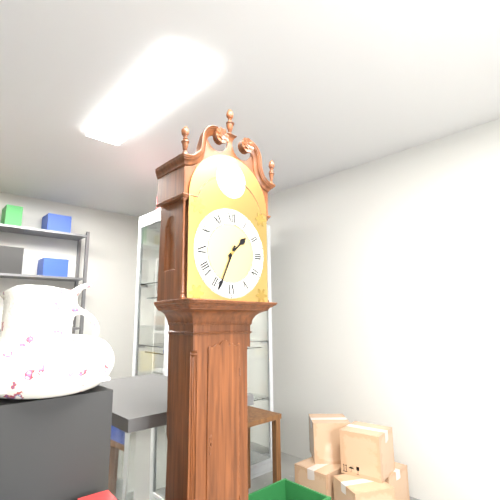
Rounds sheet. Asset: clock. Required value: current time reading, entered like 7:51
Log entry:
1:34
